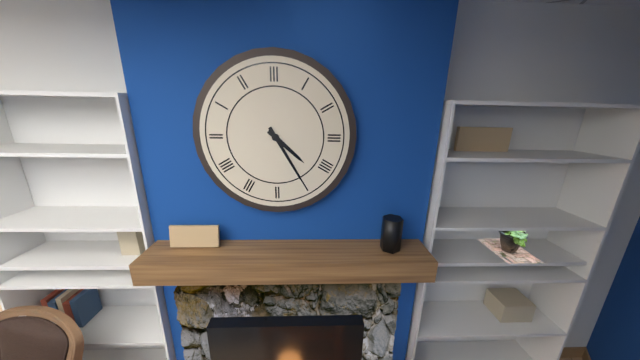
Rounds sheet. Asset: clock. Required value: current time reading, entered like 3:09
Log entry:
4:25
